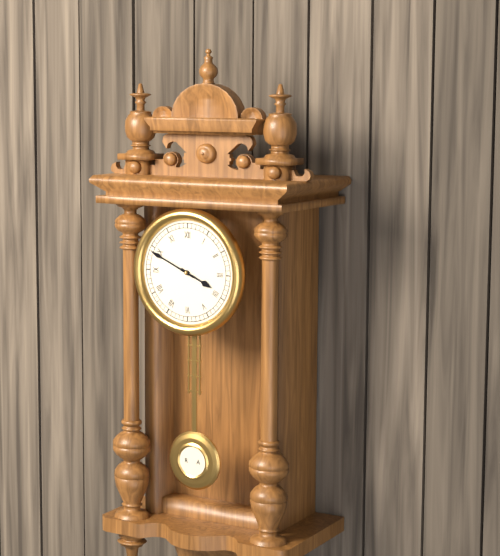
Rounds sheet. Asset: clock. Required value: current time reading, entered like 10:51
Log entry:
3:49
